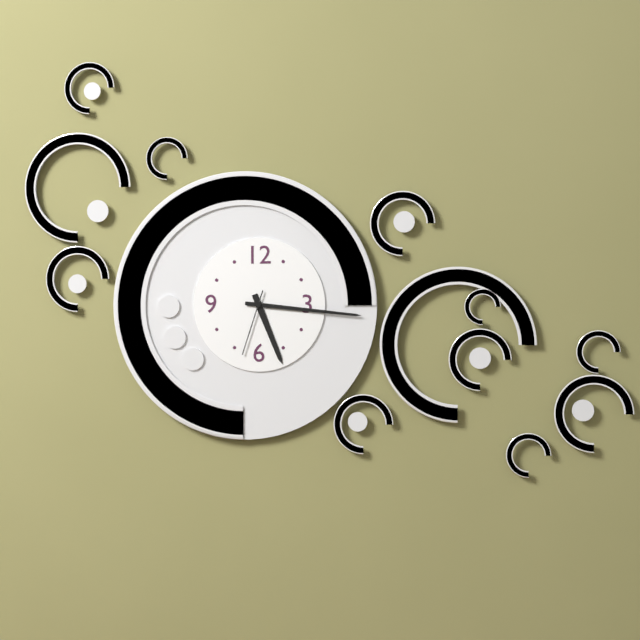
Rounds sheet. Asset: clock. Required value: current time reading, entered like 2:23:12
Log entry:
5:16:33
